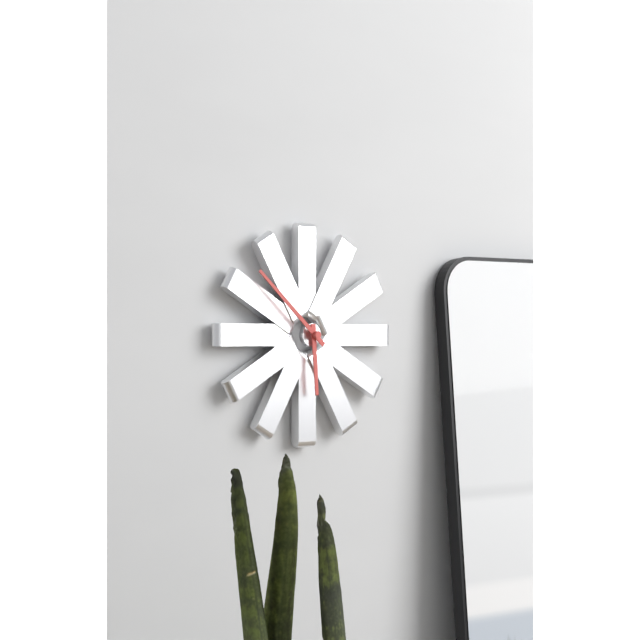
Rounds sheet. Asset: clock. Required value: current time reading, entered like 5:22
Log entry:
5:52
